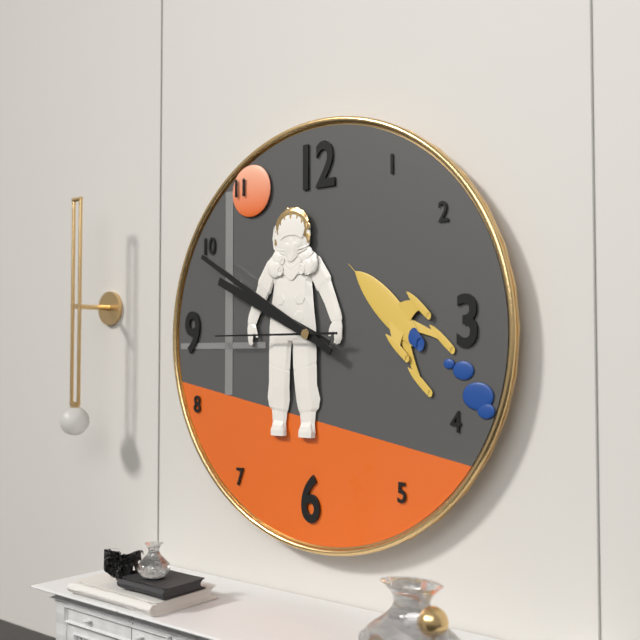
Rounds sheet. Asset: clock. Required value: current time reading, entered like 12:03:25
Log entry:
9:50:45
